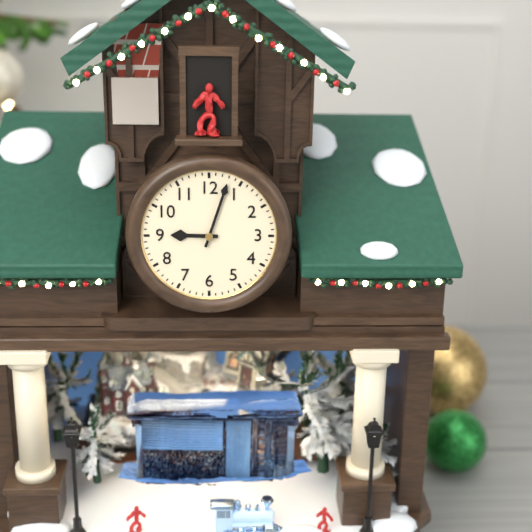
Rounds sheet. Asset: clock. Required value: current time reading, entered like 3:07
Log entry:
9:03
